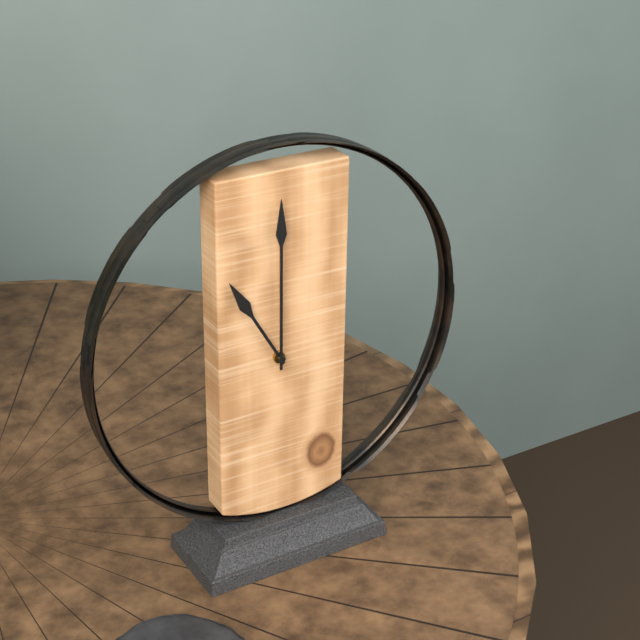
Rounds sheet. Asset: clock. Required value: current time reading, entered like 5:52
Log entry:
11:00
